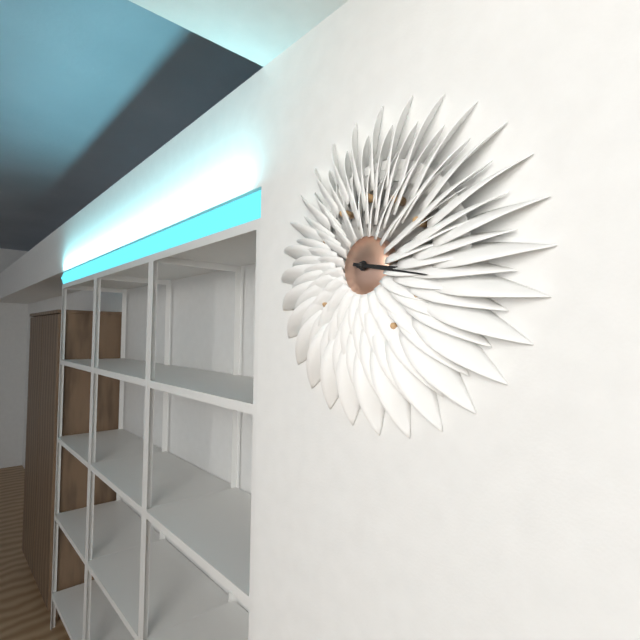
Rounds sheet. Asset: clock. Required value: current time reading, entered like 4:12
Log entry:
3:17
